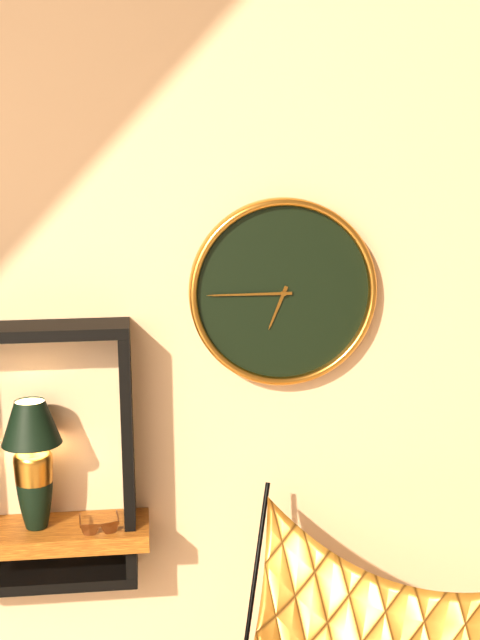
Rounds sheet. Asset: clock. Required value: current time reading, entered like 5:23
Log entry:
6:45
